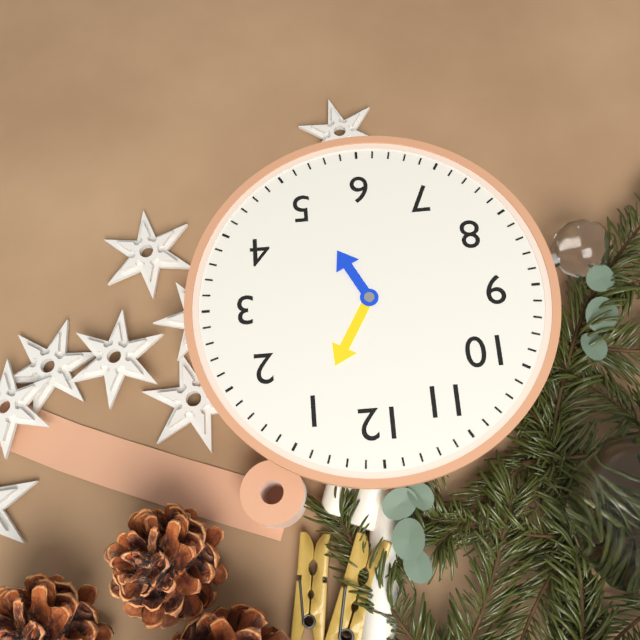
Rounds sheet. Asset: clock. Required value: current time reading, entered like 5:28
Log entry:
5:05
